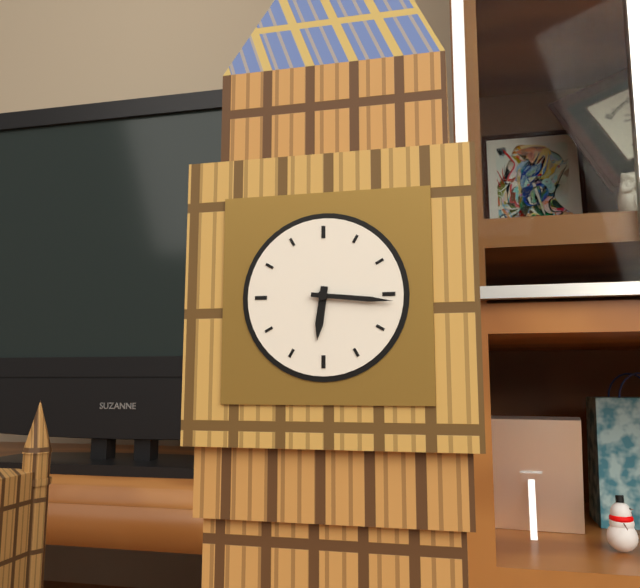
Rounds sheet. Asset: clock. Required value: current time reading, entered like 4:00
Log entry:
6:16
